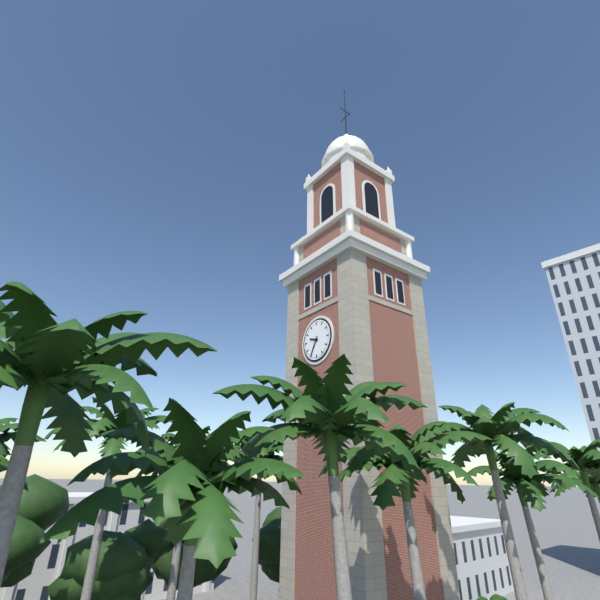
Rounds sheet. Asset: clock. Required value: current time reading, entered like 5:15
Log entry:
9:35
